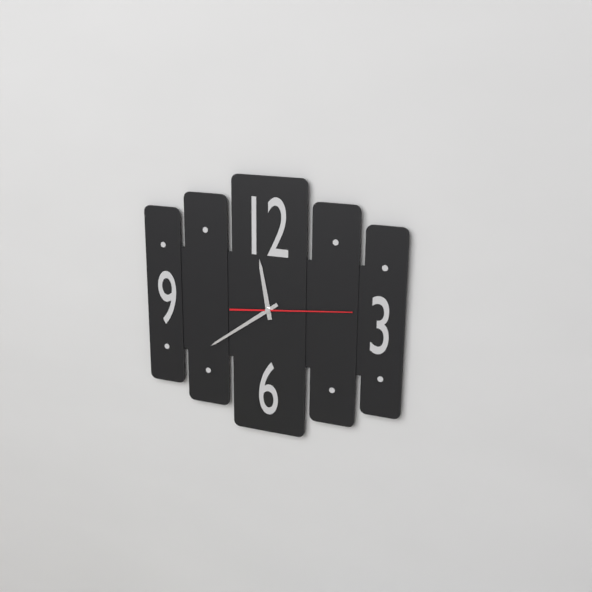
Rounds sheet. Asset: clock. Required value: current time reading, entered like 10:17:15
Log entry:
11:39:14
